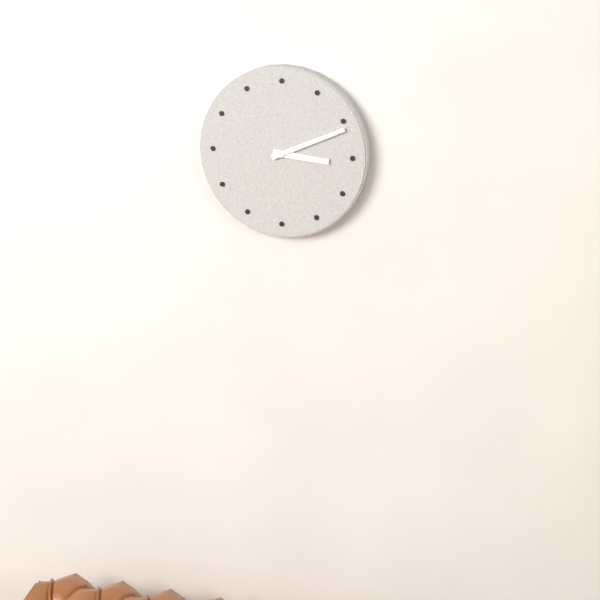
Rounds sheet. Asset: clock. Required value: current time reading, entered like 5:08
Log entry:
3:11
